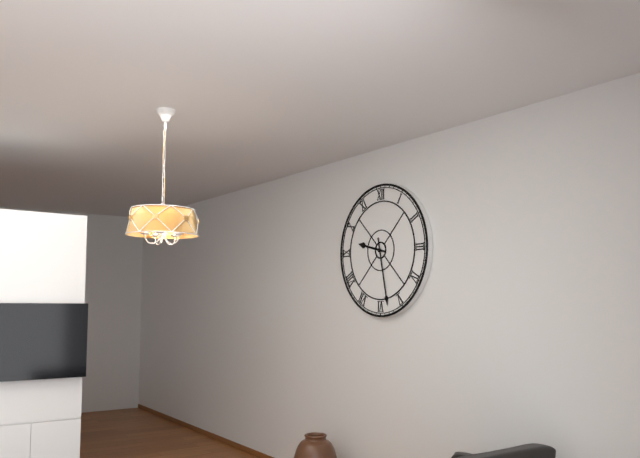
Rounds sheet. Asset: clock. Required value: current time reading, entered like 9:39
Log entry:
9:28
